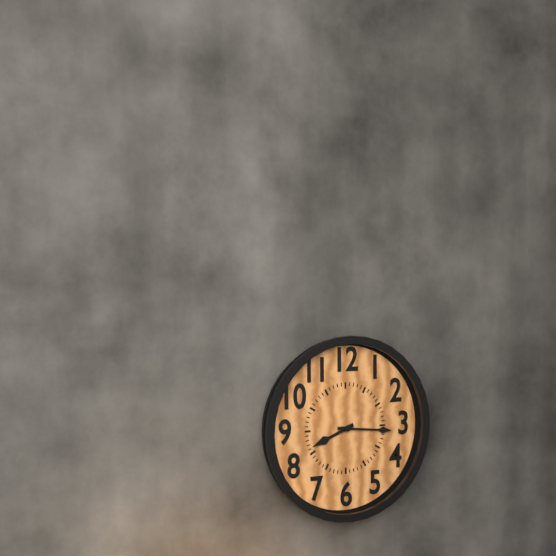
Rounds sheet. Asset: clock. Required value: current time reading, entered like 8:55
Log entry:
8:16
